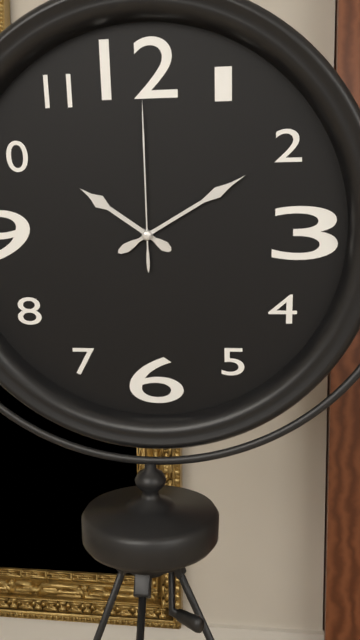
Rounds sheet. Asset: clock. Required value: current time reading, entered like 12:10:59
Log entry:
10:10:00
